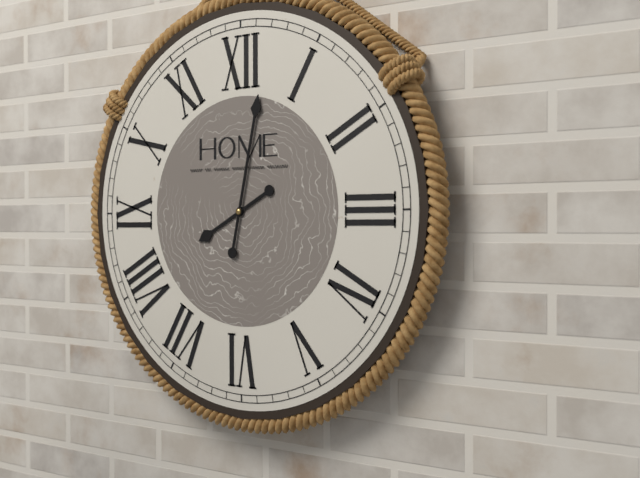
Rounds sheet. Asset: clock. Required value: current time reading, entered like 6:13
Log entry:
8:02
